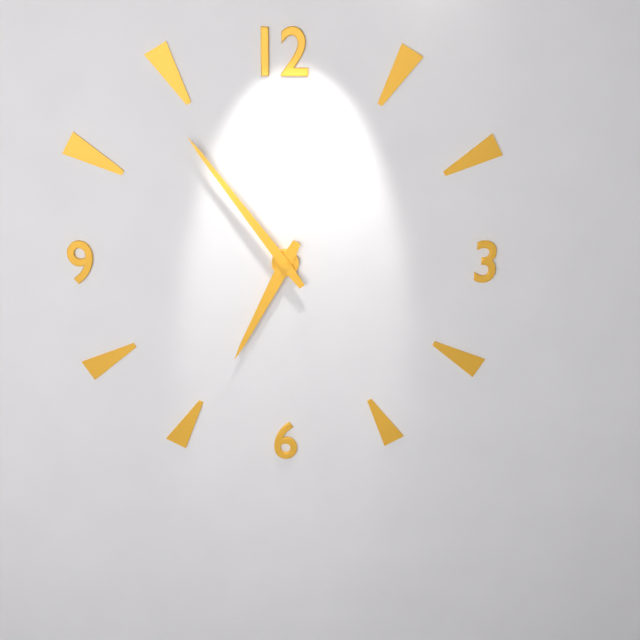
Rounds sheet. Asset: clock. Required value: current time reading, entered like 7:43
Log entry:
6:54
